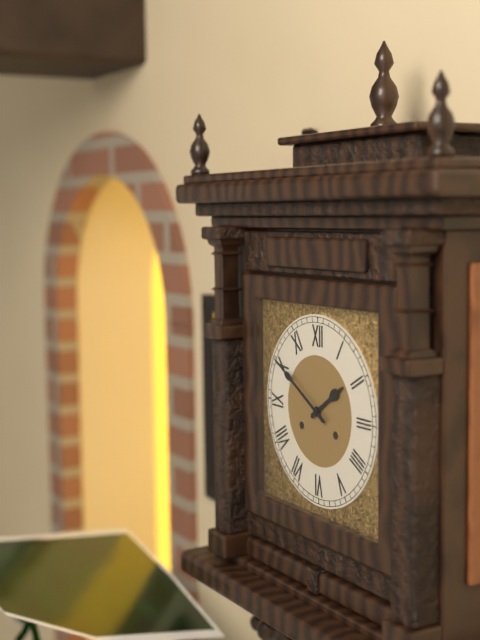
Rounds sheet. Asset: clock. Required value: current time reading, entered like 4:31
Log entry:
1:50
